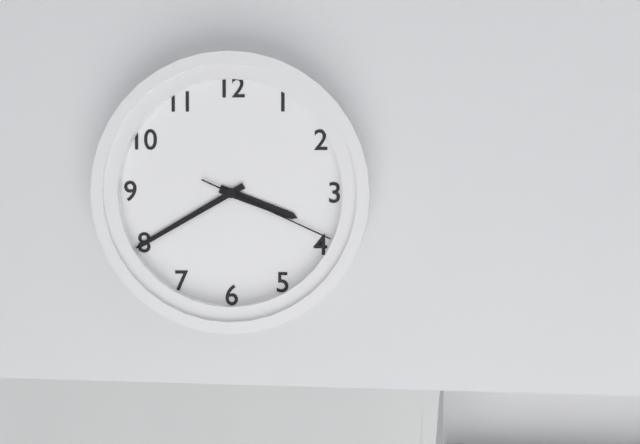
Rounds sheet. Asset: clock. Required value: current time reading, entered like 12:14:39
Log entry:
3:40:19
